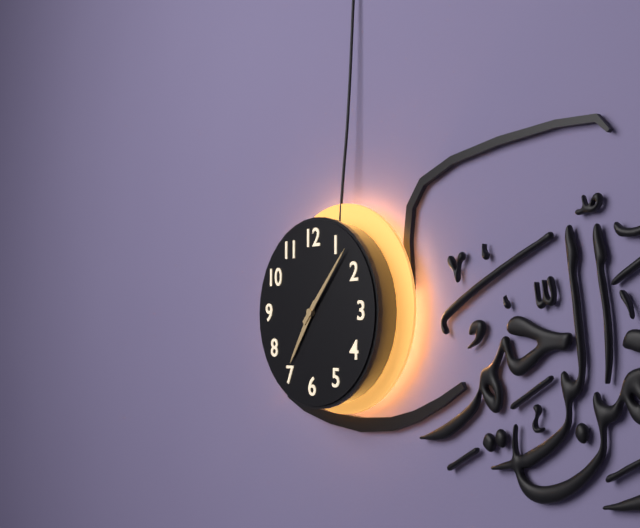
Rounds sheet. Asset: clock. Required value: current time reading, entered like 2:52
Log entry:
7:07
